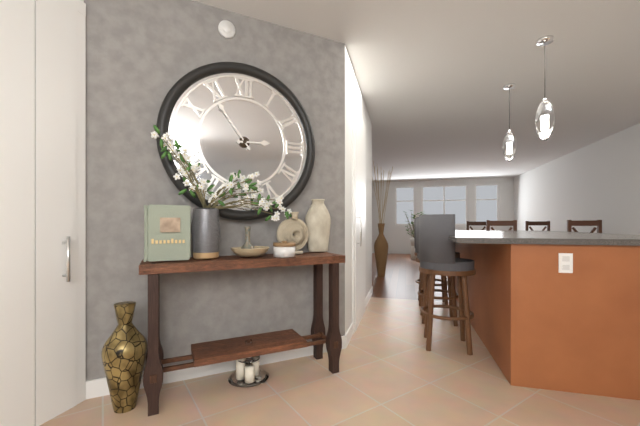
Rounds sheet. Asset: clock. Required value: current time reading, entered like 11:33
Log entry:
2:54
